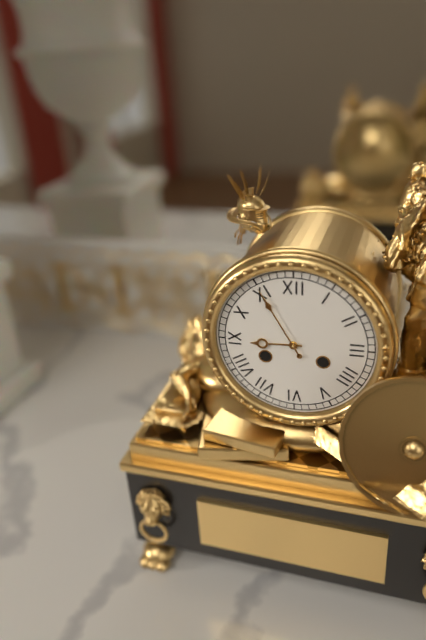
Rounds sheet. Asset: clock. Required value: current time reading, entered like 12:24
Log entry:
8:55
